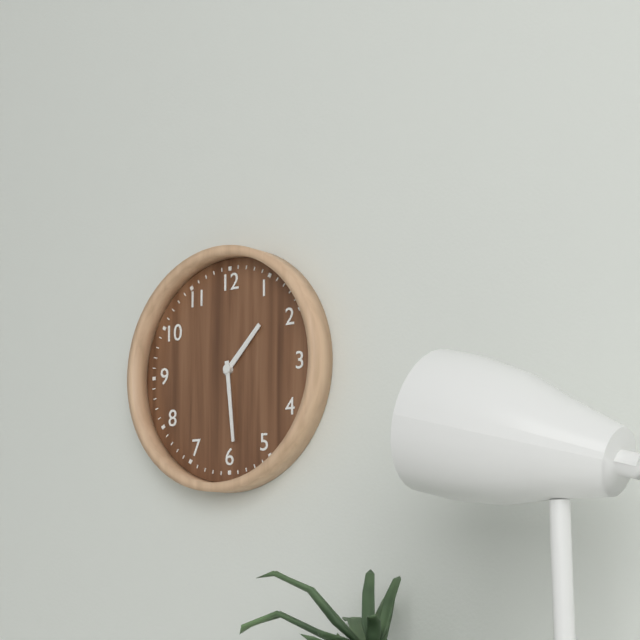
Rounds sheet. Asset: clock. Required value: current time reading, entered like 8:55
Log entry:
1:29
